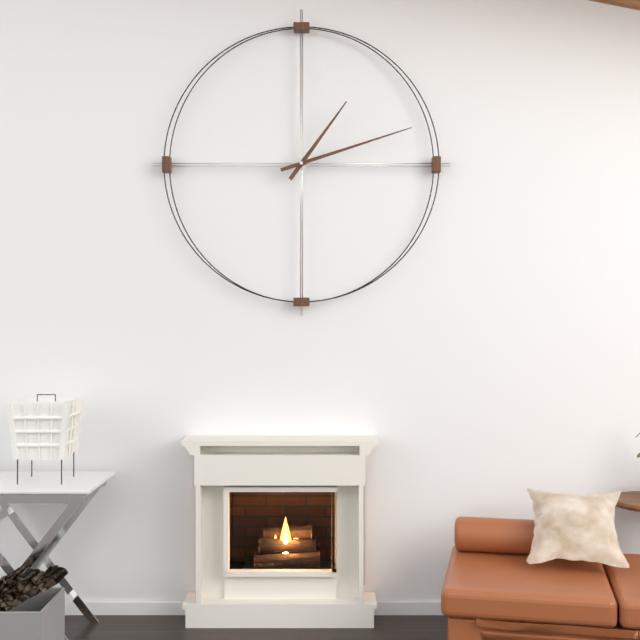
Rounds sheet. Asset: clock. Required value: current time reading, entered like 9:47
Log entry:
1:12
